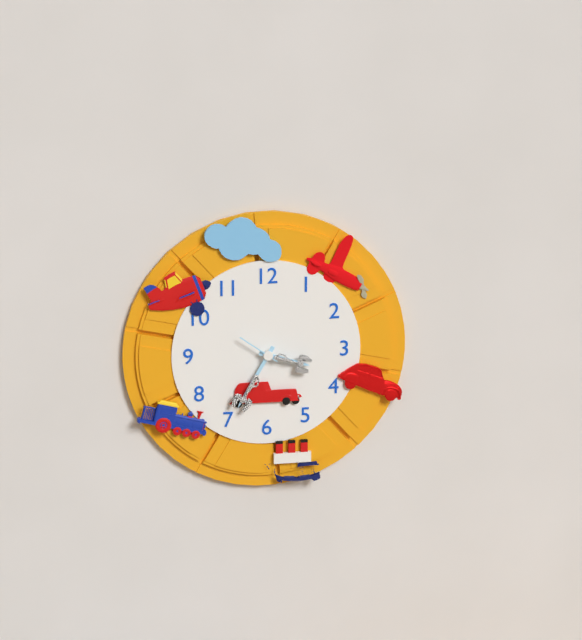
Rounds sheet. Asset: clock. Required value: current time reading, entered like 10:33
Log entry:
3:35
